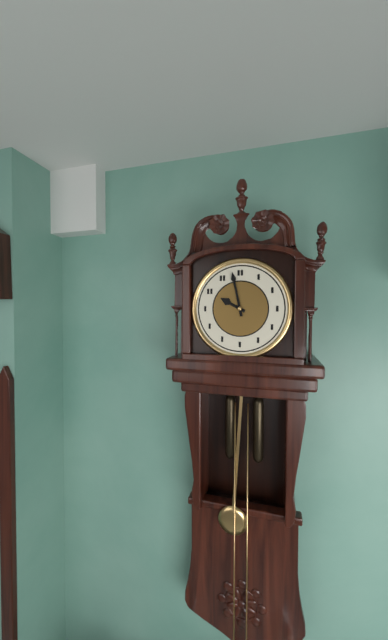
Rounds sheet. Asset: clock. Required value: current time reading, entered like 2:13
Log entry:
9:58
